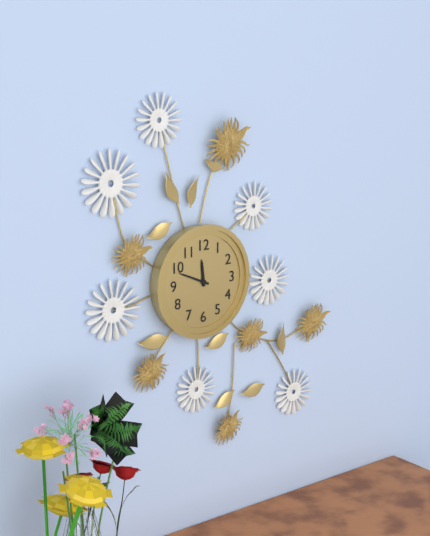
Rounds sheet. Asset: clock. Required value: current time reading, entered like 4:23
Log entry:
11:49
